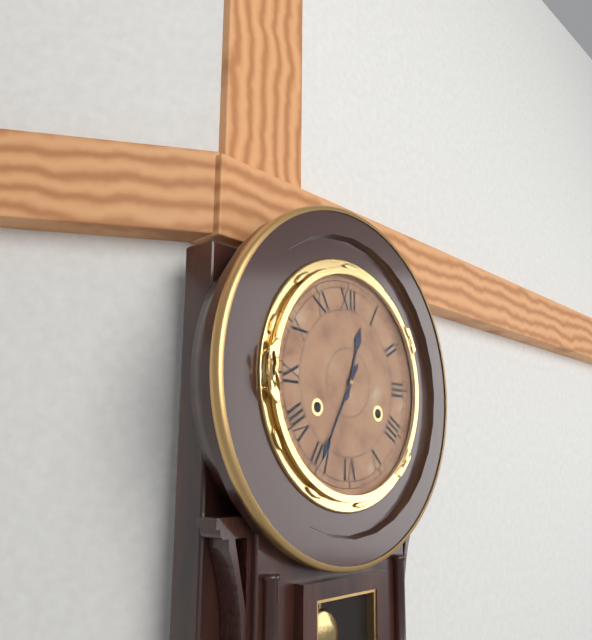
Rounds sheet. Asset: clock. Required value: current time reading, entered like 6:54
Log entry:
12:35
